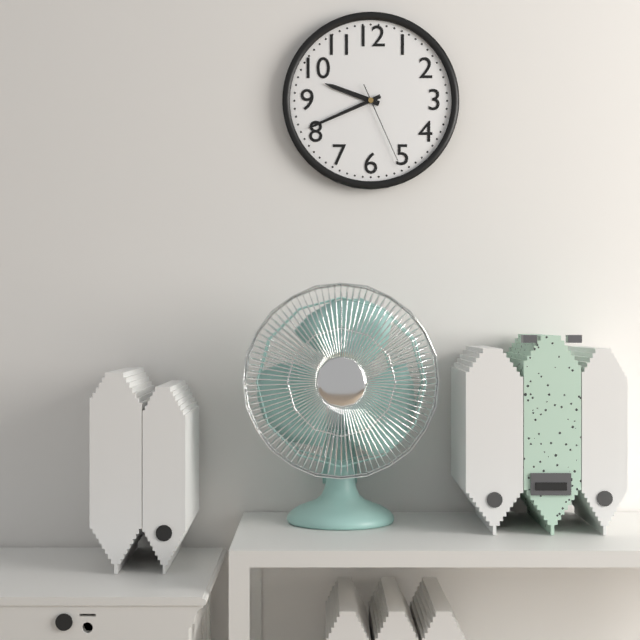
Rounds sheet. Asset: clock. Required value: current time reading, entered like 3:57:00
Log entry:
9:41:26
